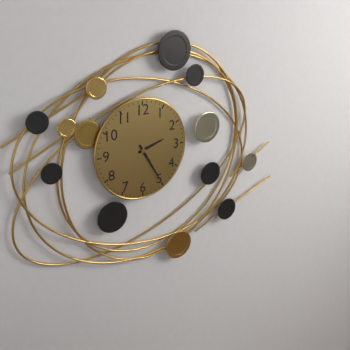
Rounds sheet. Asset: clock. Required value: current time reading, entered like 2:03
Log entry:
2:25
